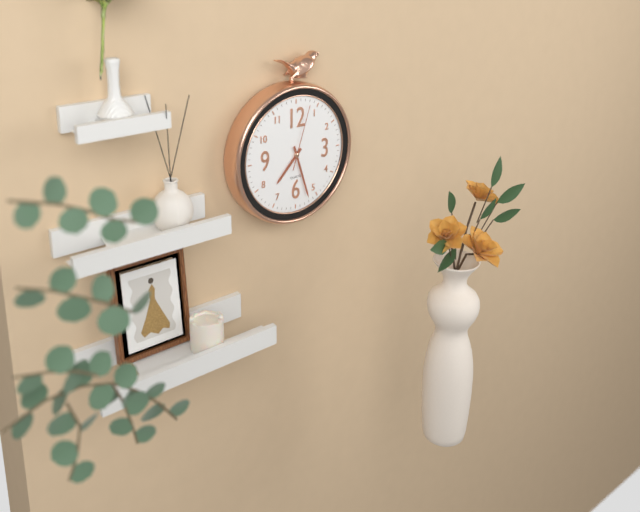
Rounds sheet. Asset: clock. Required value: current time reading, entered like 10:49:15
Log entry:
7:27:03
